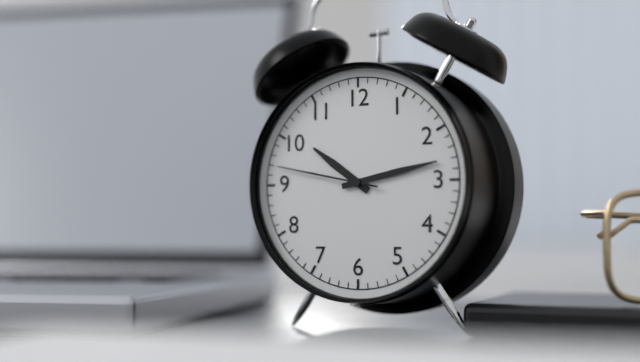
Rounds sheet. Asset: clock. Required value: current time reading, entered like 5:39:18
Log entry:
10:13:47
